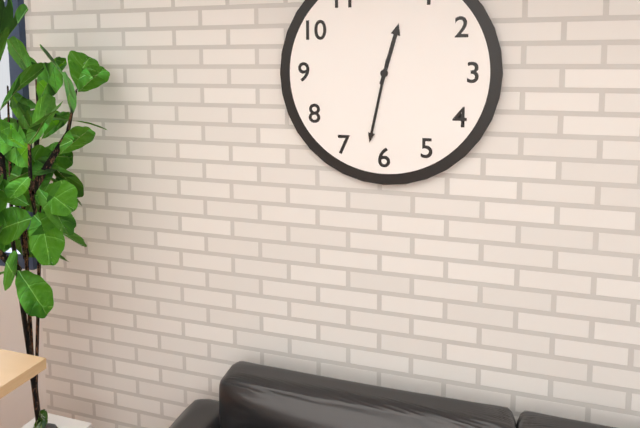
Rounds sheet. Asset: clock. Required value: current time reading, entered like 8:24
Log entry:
12:32
